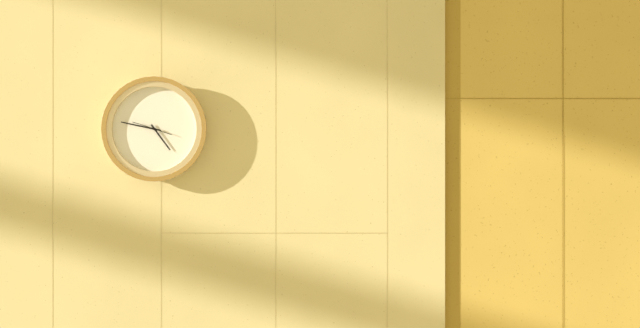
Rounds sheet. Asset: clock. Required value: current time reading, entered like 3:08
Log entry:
4:47
